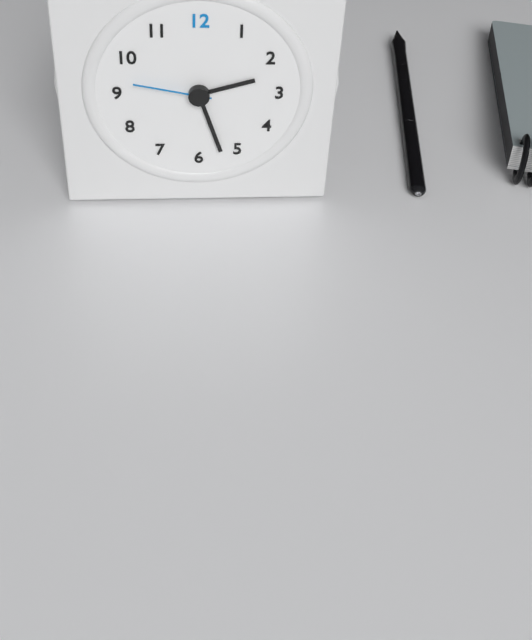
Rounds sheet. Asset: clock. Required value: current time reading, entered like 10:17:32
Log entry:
2:27:47
